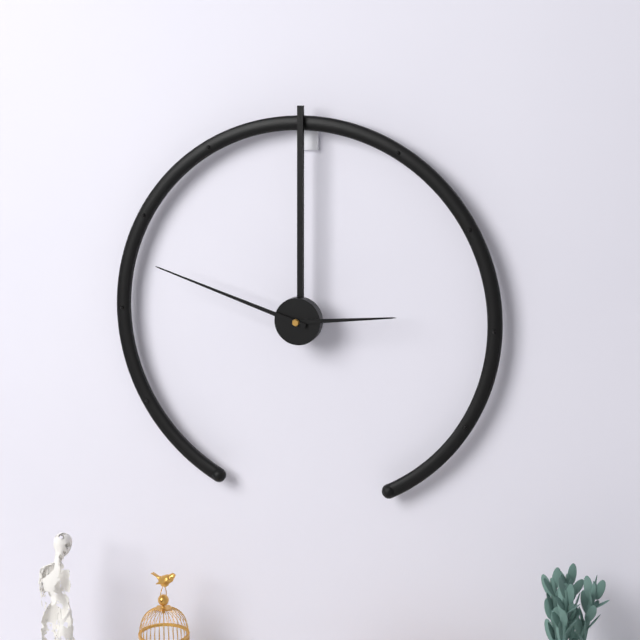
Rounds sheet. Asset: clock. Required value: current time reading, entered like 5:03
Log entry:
2:48
